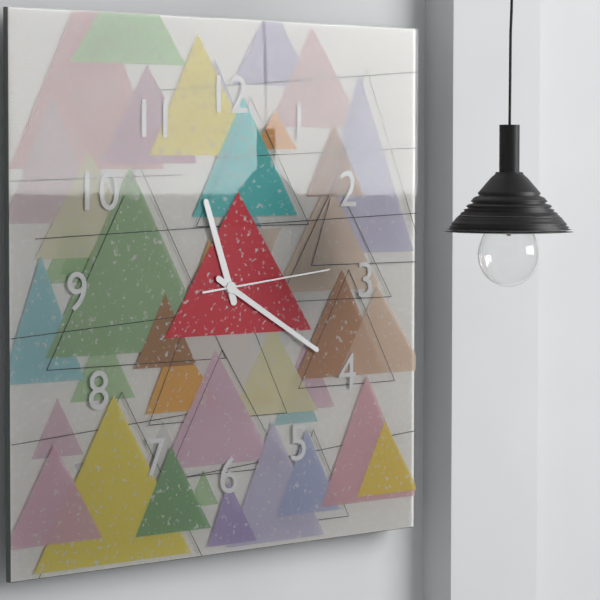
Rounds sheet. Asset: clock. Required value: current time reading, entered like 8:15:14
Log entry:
11:20:14
